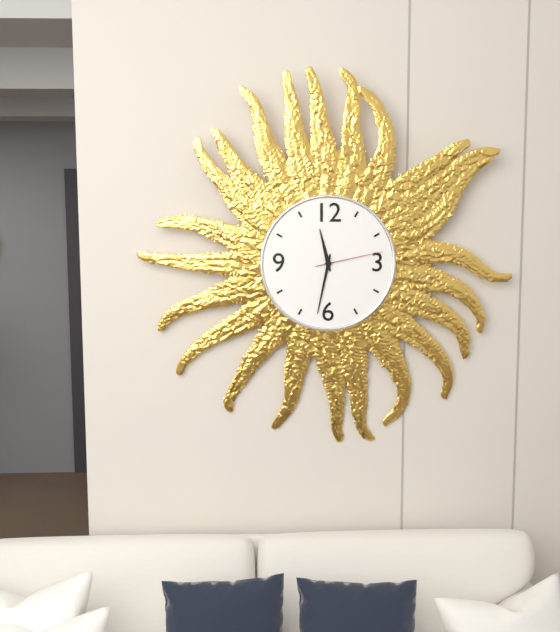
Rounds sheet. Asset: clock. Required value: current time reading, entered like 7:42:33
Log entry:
11:32:13
